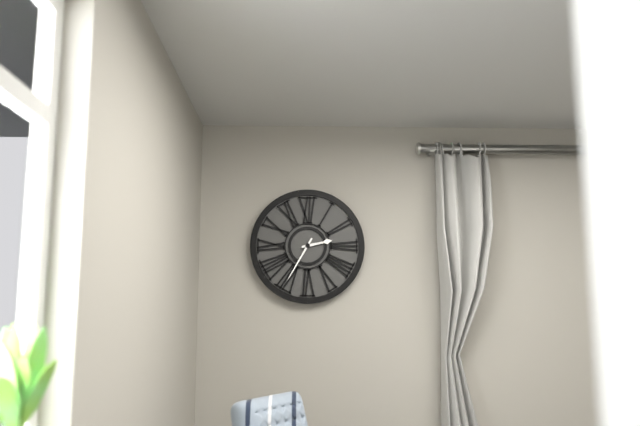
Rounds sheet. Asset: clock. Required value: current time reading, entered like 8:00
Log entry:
2:35
